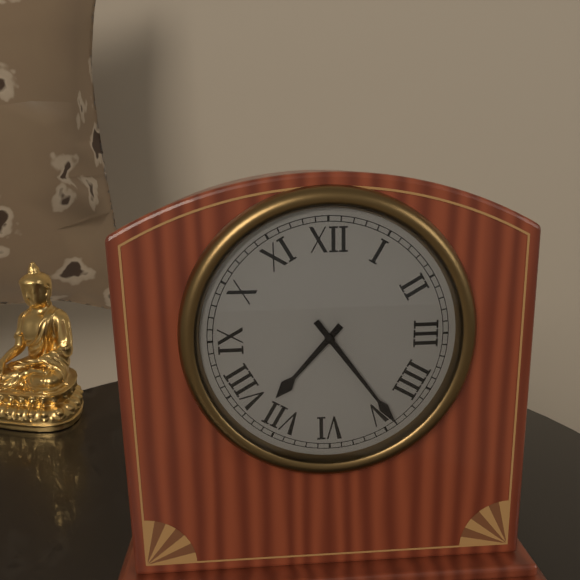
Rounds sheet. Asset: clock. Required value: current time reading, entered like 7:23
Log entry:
7:24
